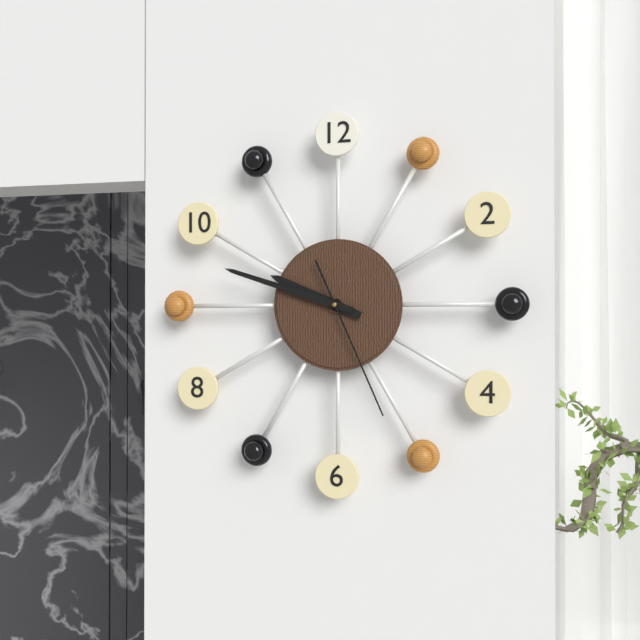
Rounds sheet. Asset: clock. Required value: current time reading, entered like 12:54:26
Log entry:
9:48:26
